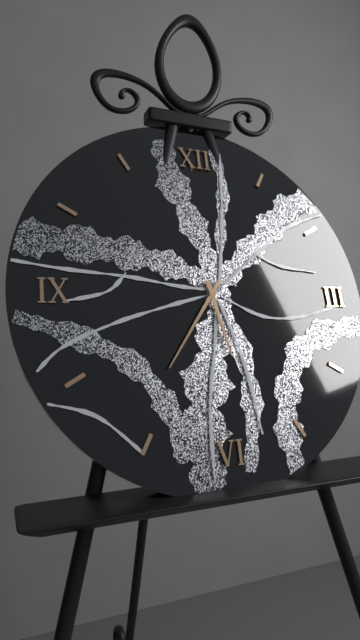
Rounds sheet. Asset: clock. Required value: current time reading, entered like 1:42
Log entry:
5:36
